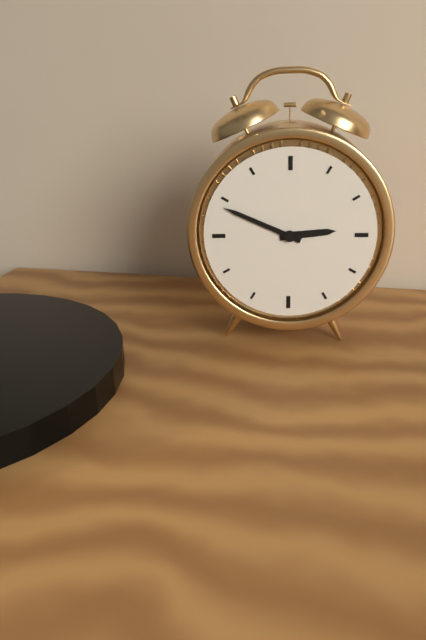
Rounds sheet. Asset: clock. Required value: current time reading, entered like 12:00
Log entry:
2:49
